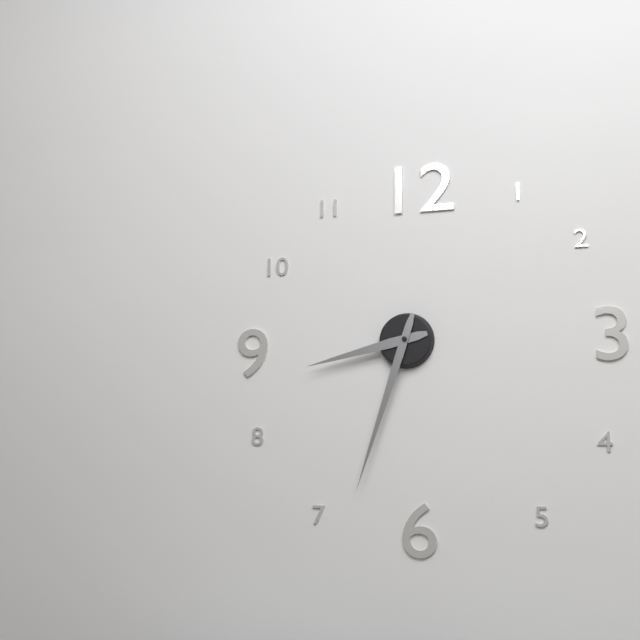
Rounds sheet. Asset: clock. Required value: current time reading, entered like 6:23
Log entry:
8:33
